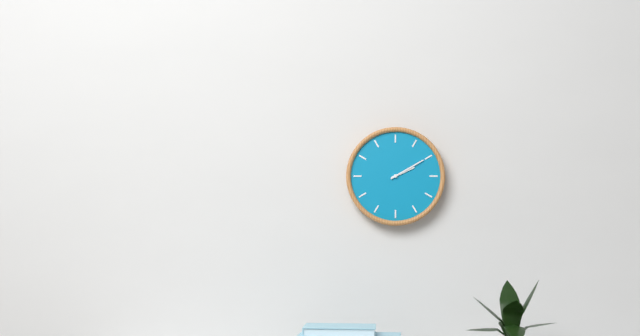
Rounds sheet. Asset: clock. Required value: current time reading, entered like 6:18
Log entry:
2:10
